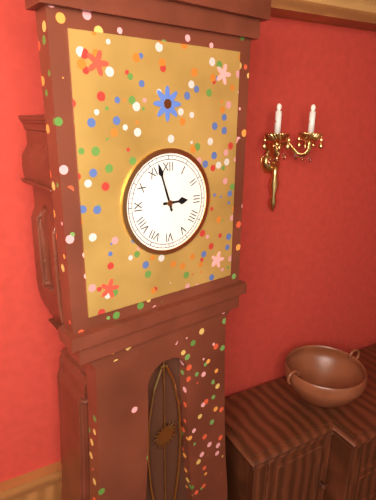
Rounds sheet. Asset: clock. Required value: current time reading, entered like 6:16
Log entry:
2:57
